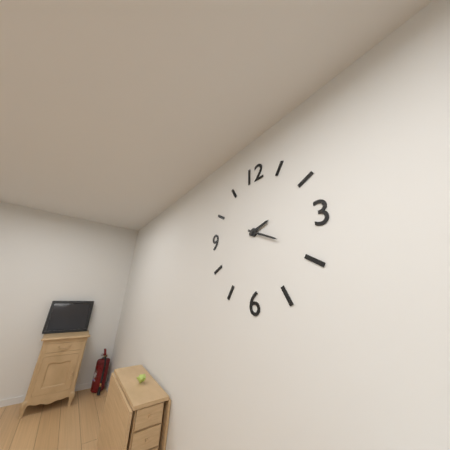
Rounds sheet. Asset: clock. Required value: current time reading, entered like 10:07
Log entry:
2:19
